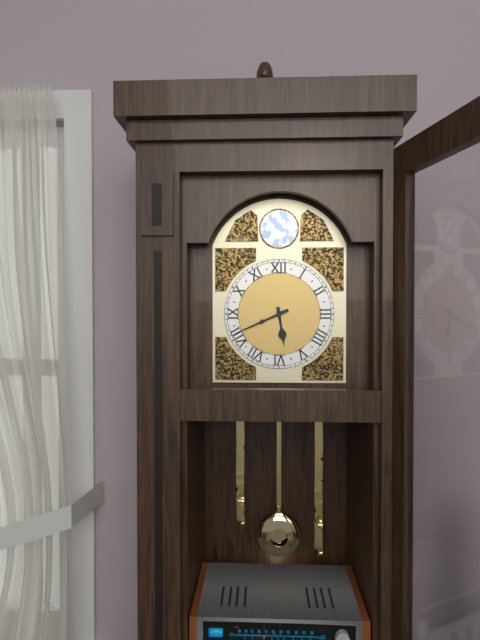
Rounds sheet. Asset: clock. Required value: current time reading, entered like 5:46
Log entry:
5:41
